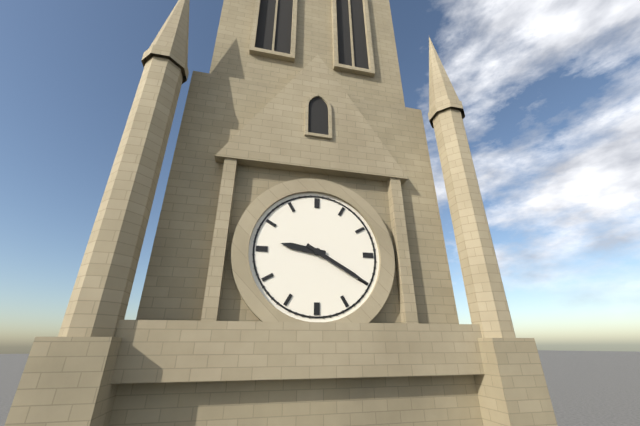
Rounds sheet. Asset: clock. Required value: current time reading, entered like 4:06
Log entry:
9:20
